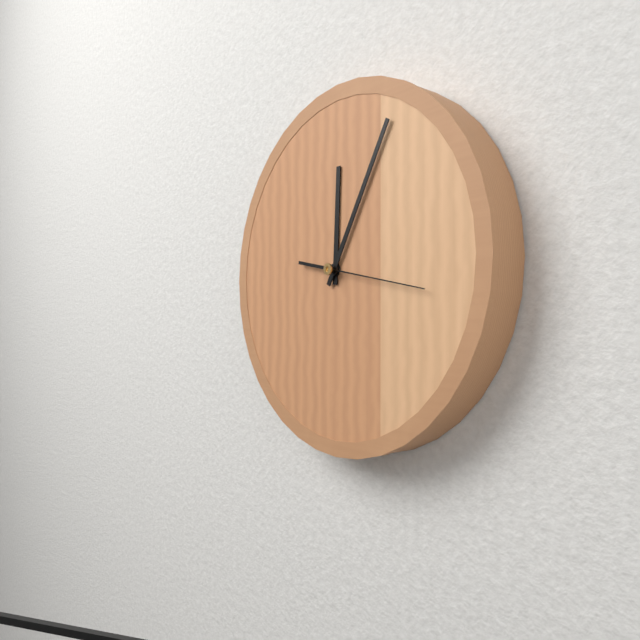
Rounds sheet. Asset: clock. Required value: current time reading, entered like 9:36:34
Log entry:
12:05:17
